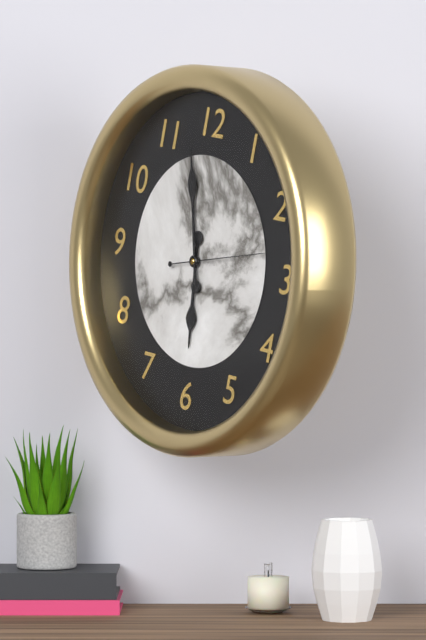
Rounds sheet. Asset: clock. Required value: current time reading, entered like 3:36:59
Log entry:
5:58:13
